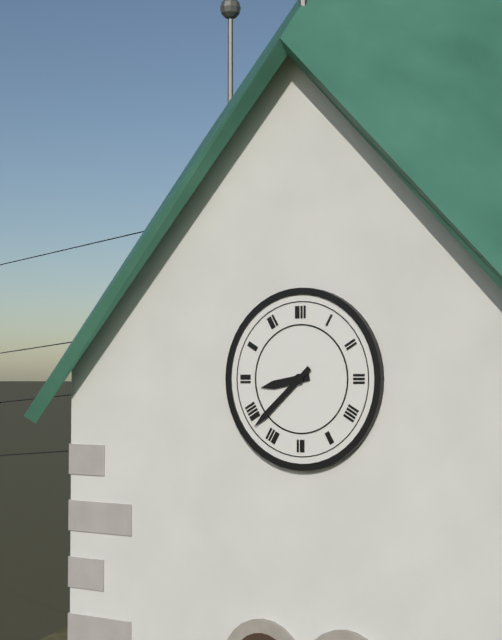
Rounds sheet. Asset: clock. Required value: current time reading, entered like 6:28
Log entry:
8:38
